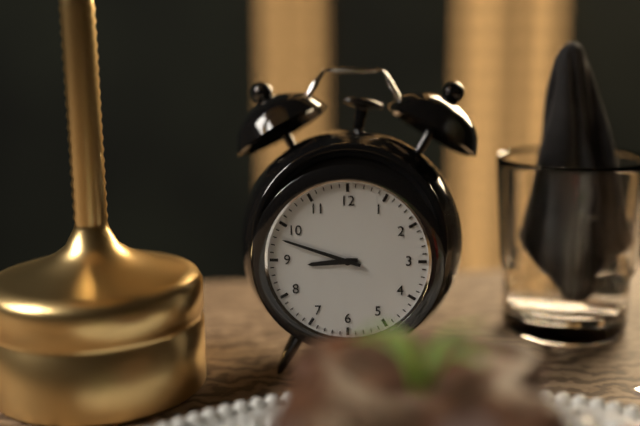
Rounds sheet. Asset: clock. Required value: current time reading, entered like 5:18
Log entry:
8:48
